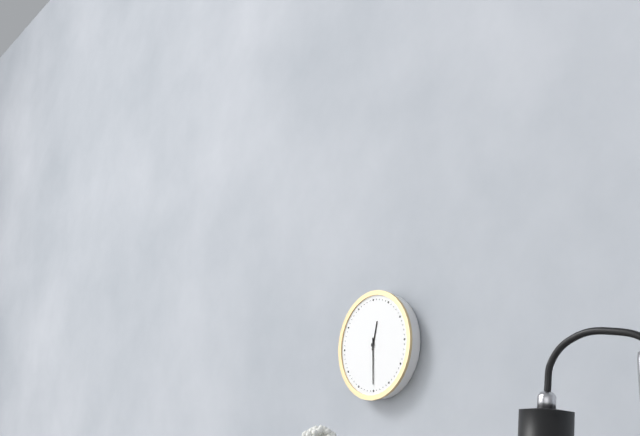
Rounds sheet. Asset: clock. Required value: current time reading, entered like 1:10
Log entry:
12:30
